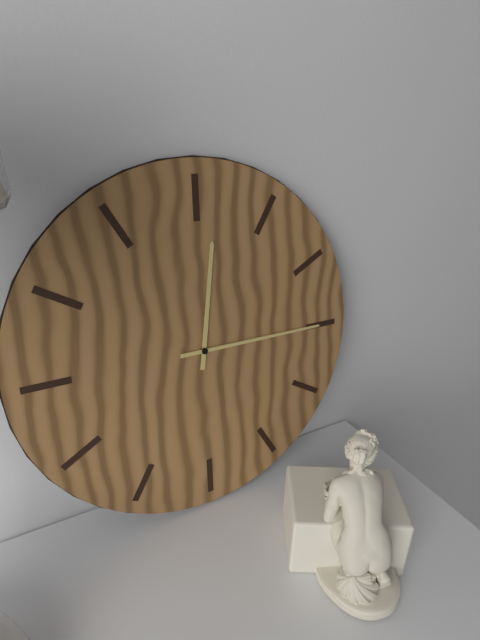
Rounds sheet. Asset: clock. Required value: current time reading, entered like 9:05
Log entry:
12:15
